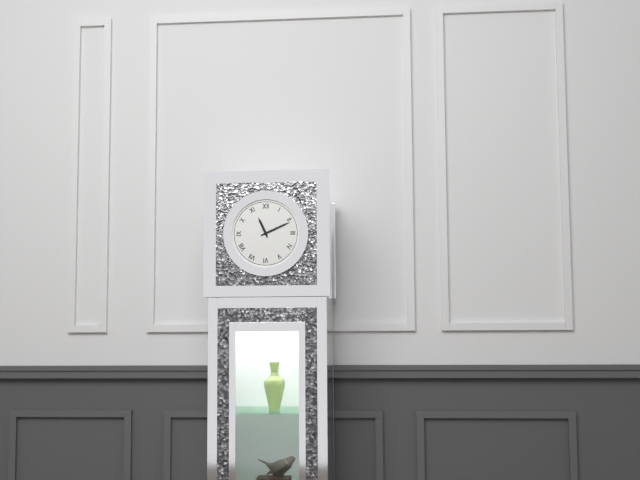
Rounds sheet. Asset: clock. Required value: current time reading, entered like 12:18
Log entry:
11:11
